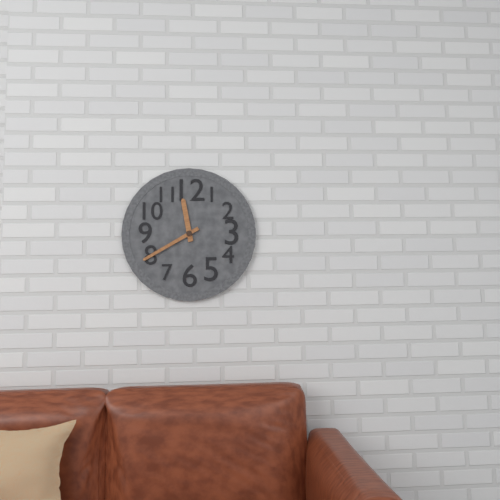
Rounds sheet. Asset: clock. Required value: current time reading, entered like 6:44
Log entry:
11:40
